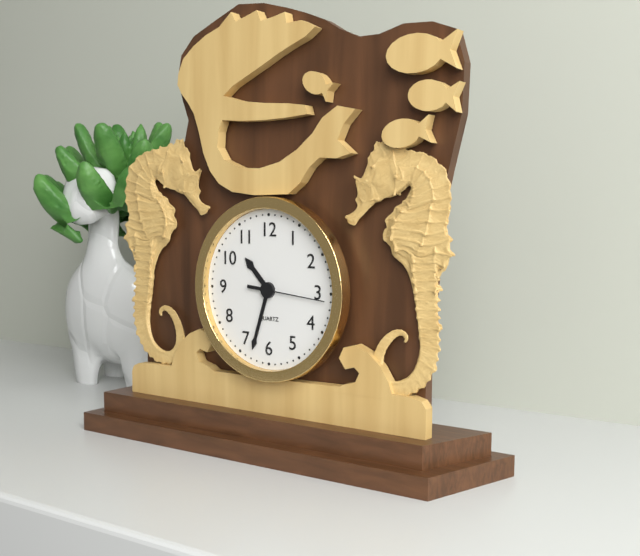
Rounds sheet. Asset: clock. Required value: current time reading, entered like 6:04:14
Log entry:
10:33:16
